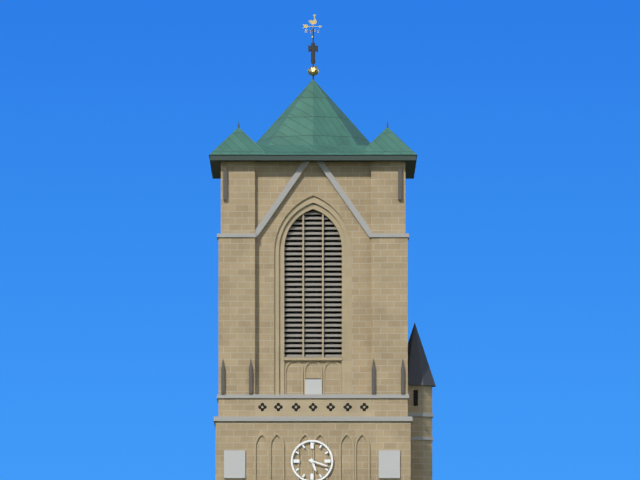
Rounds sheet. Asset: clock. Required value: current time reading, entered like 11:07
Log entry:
5:18
